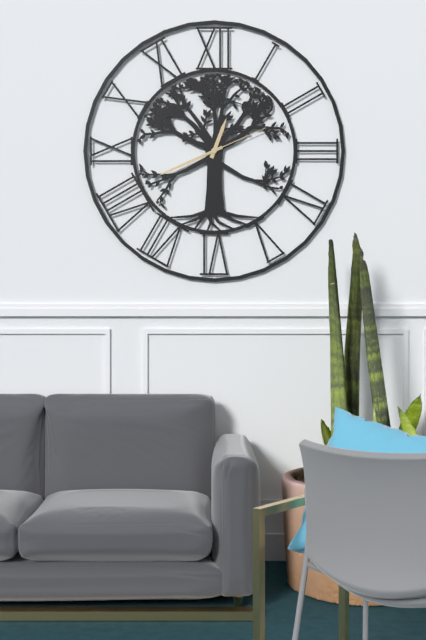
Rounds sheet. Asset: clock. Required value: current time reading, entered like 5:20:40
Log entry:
12:41:11
